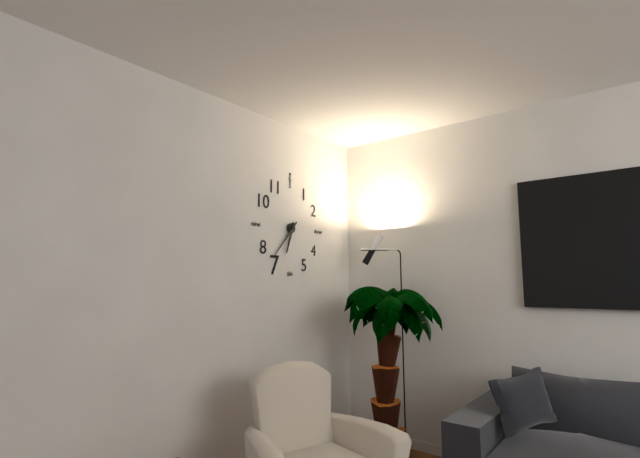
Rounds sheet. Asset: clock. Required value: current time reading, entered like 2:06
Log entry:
6:37
